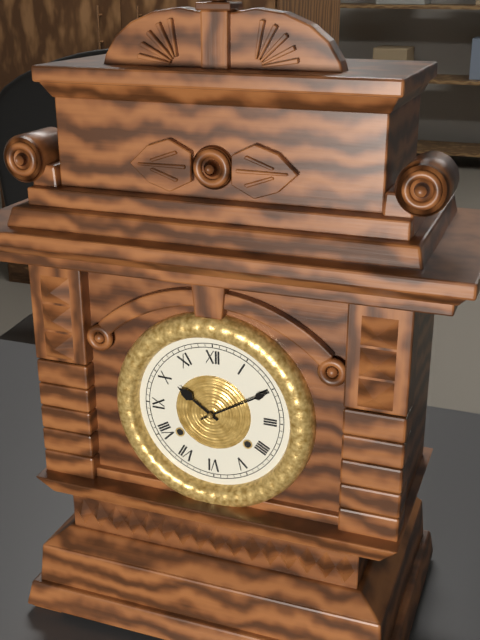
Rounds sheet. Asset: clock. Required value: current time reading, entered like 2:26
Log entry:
10:10
